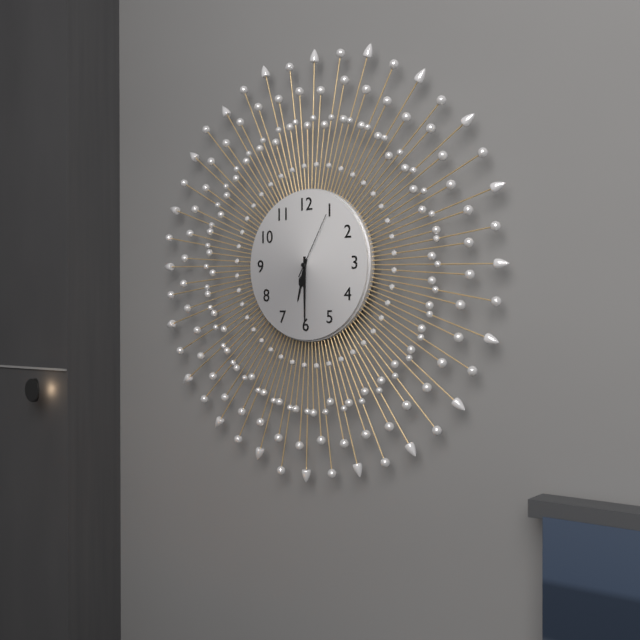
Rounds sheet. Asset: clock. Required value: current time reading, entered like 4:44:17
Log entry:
6:30:05
